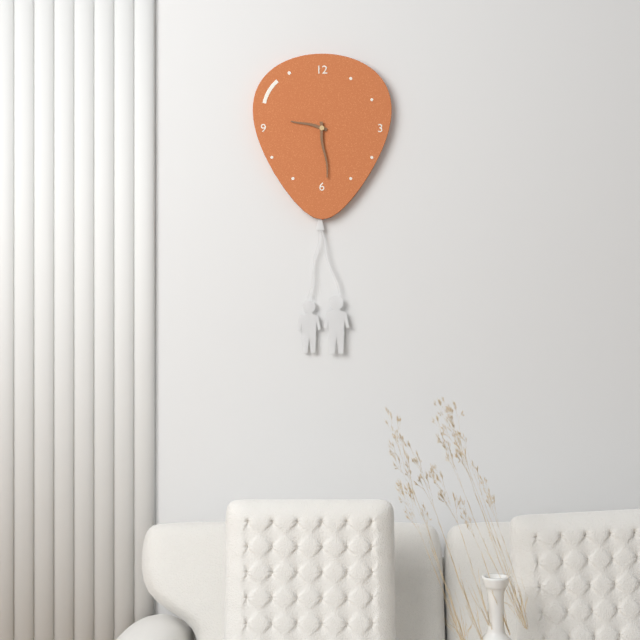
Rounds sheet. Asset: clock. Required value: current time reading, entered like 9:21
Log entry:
9:29
